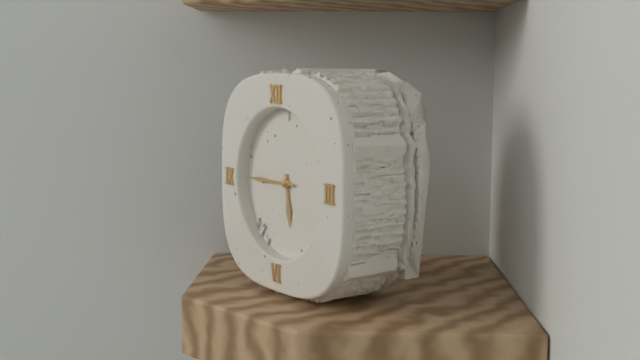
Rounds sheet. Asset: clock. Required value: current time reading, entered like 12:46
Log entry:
5:45
